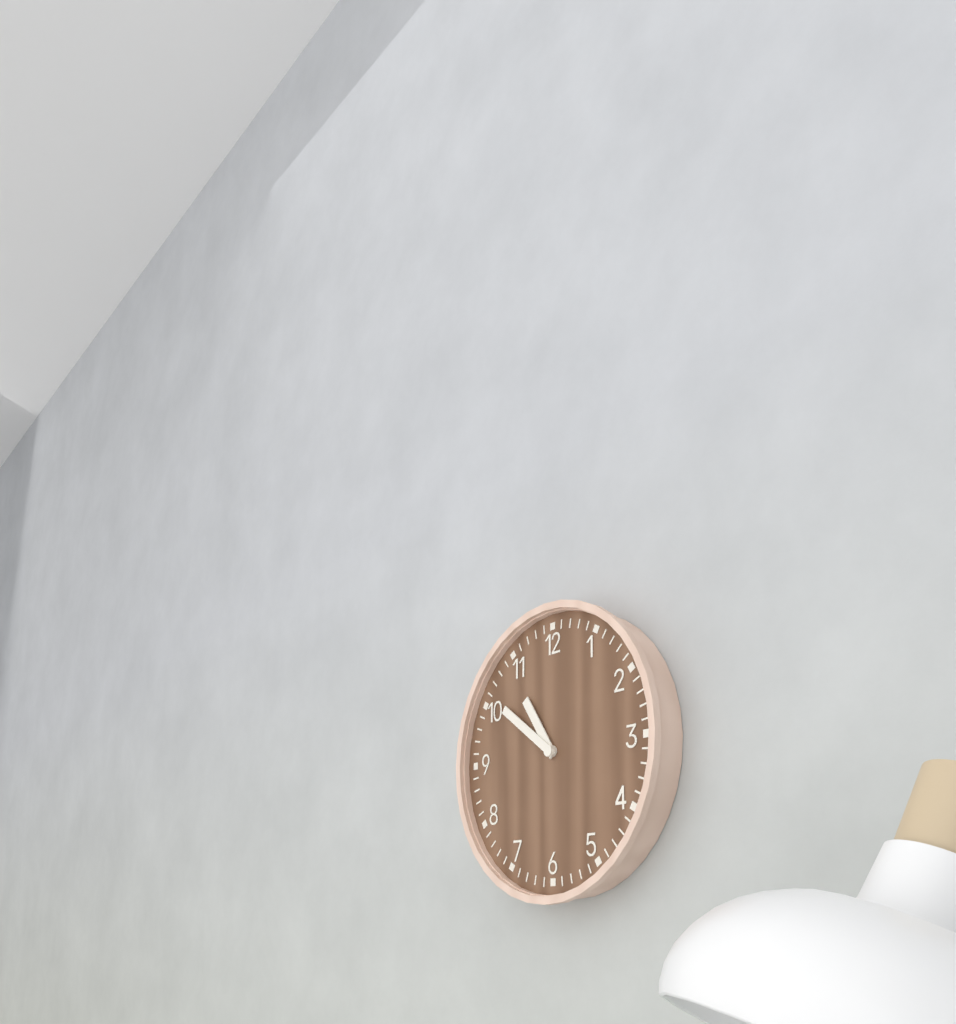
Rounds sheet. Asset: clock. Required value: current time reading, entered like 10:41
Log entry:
10:51
